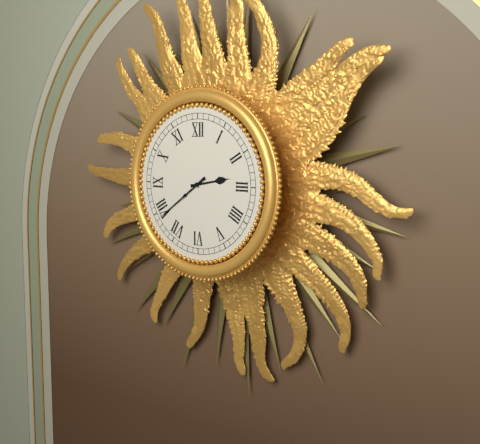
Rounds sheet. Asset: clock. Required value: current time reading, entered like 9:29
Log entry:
2:39
